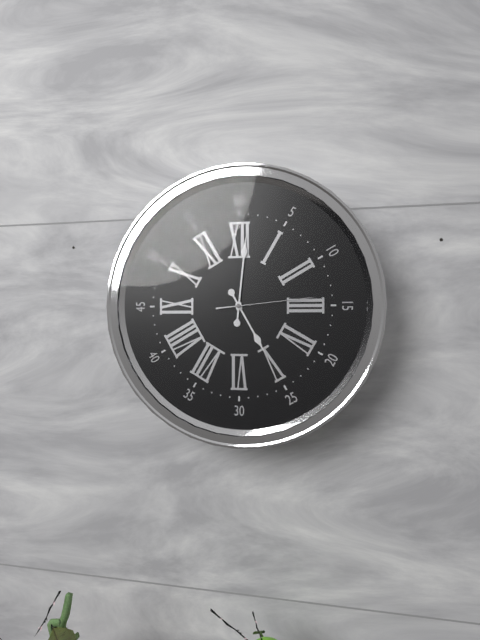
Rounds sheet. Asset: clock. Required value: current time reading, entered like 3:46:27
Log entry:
5:01:14
